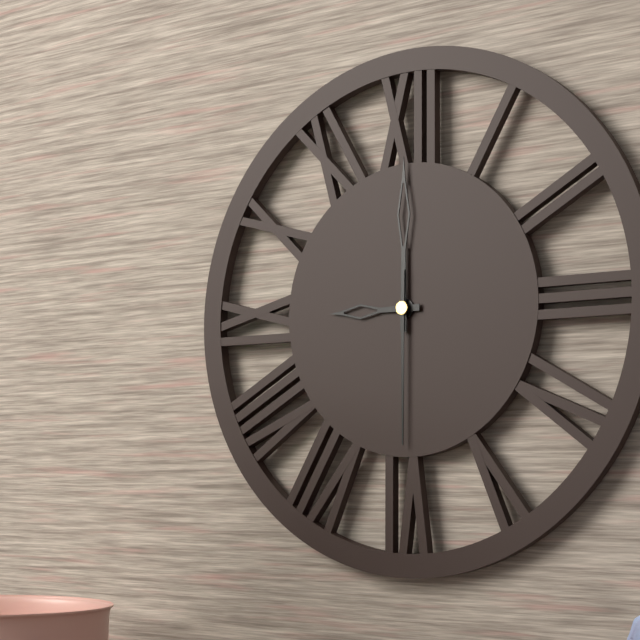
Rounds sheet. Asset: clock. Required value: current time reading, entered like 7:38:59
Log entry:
9:00:30
